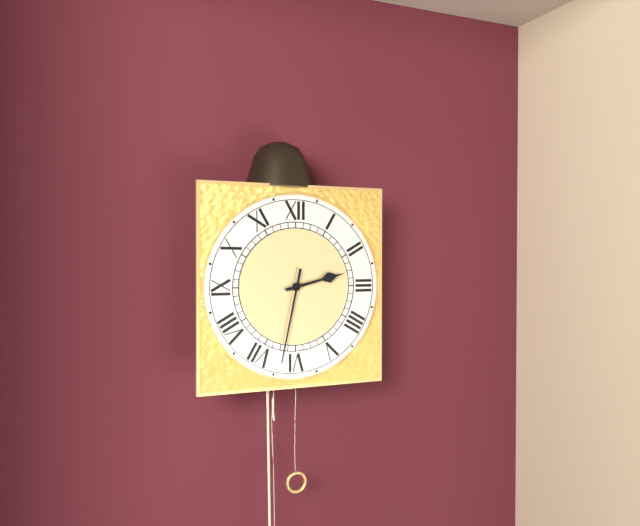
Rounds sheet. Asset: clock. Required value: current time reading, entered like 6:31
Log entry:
2:32
